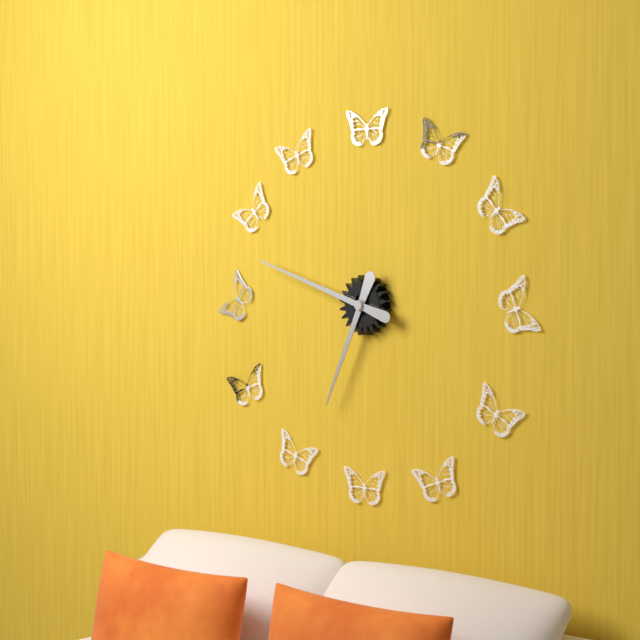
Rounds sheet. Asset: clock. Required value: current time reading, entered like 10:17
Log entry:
6:48
